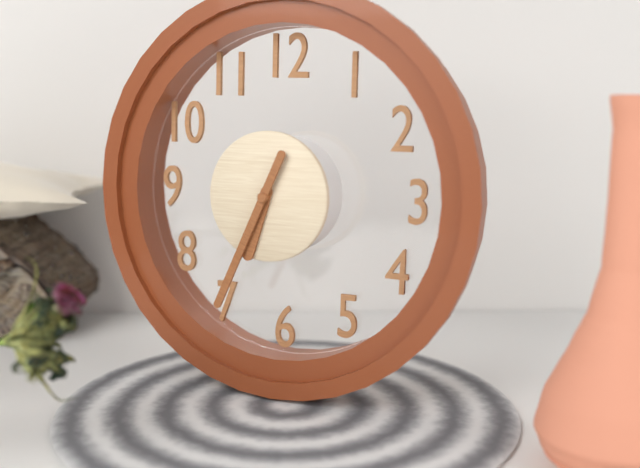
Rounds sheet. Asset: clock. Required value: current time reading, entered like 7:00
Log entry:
6:34
